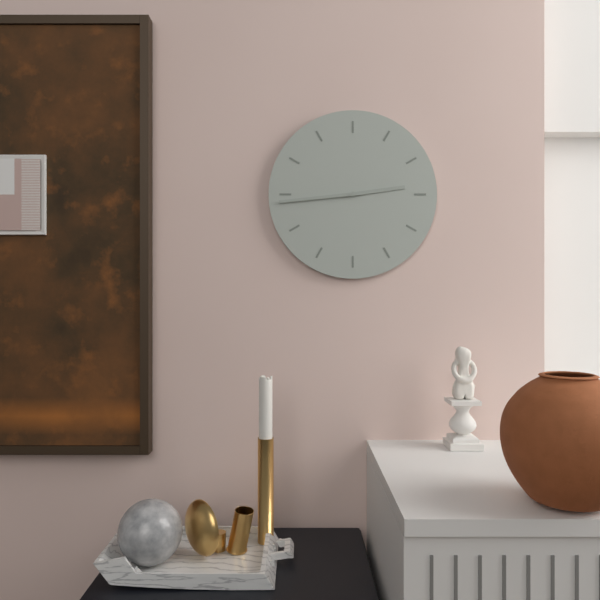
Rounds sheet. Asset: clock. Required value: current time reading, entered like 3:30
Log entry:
2:44
